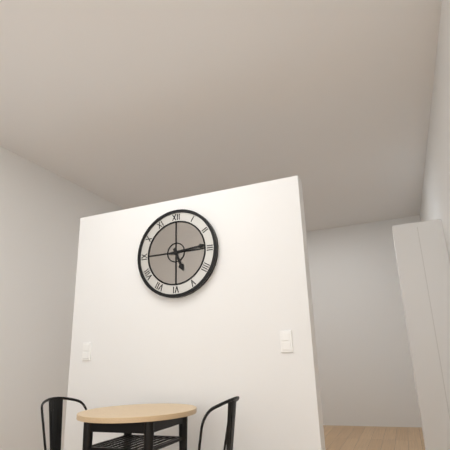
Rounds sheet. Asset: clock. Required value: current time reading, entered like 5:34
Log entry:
5:14
